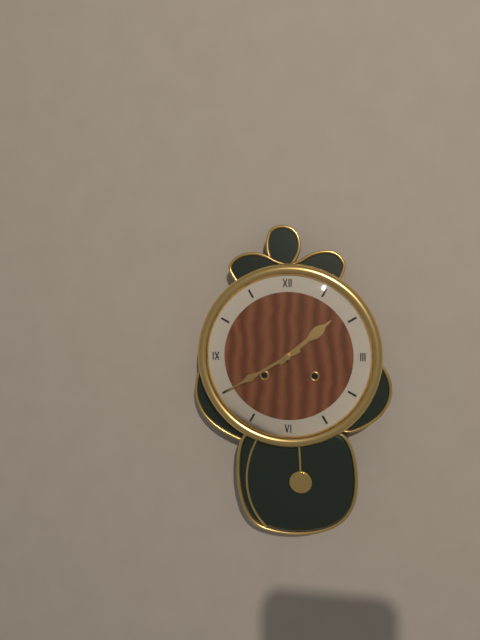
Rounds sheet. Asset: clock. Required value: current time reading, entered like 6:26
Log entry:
1:40
